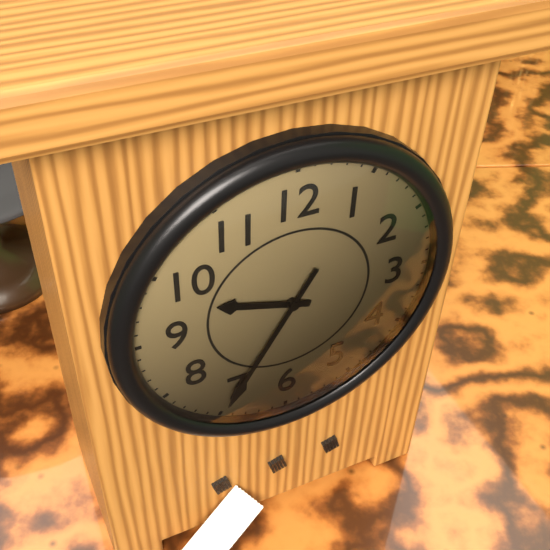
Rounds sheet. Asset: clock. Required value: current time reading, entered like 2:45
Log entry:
9:35
